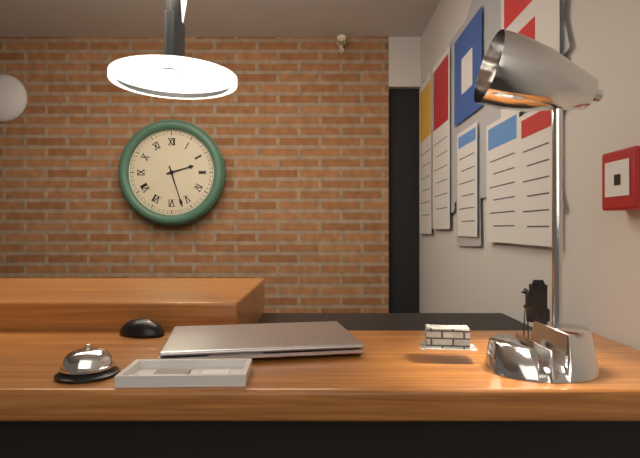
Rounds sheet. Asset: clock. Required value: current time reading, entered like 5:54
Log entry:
2:27
